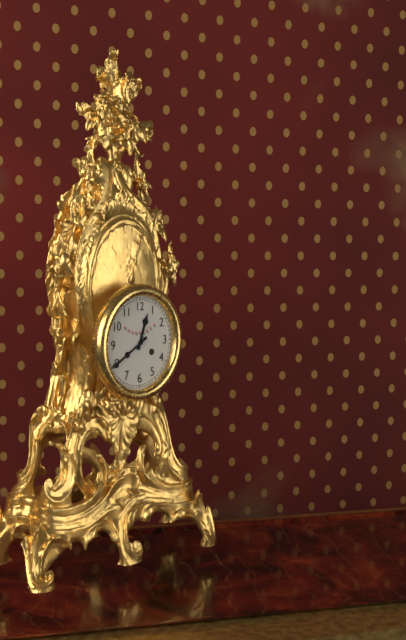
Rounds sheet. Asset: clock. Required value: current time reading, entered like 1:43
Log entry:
12:40
